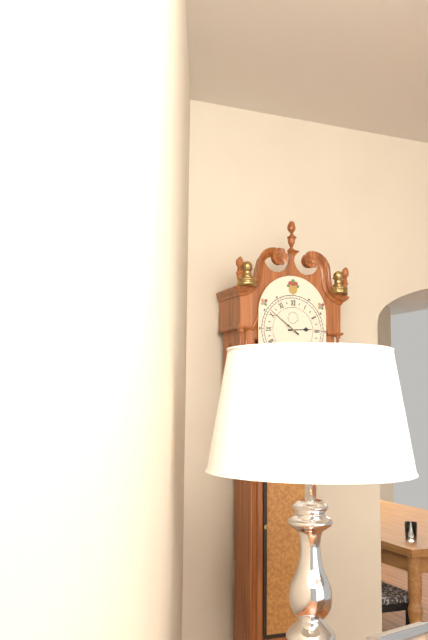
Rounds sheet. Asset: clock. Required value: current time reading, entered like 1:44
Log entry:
2:51
